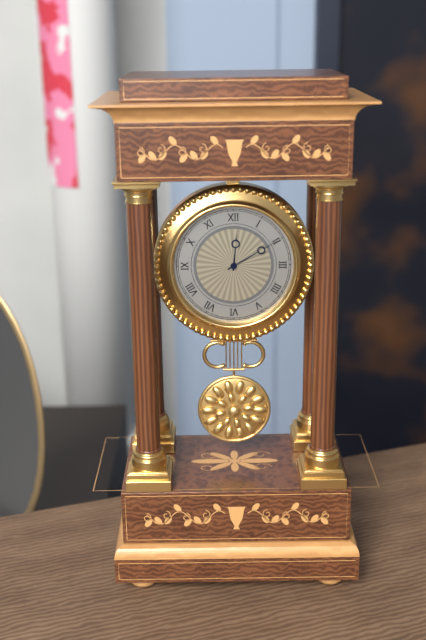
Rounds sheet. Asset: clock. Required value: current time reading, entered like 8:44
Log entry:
12:10
